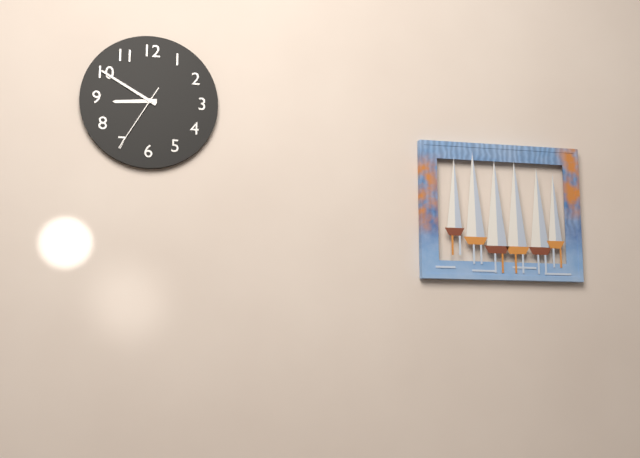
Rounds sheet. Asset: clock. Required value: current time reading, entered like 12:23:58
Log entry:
8:50:35
